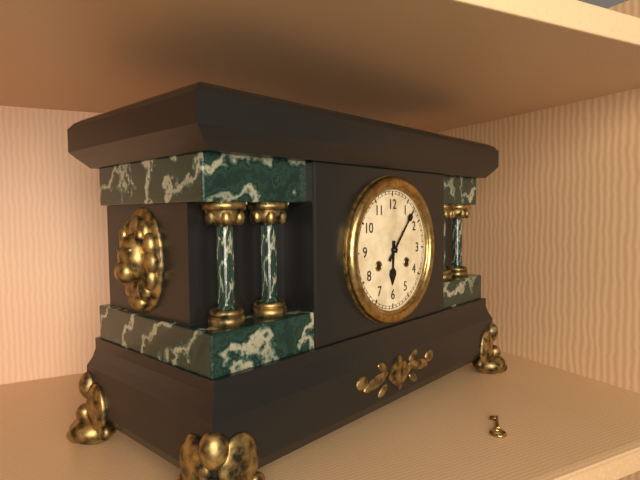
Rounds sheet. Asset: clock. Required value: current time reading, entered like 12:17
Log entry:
6:07
